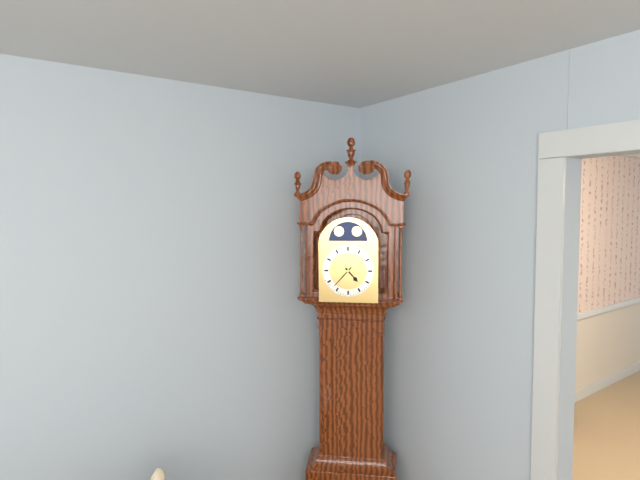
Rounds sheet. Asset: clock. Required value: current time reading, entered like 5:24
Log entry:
4:37
